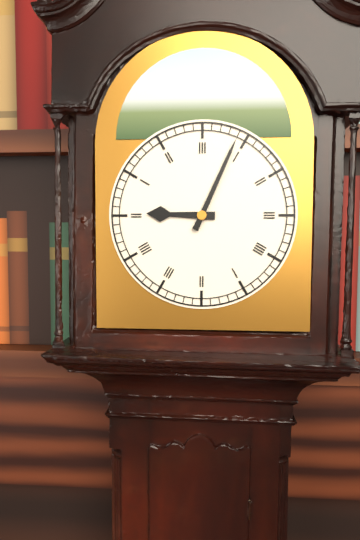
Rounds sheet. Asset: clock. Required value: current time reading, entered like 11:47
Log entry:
9:04
